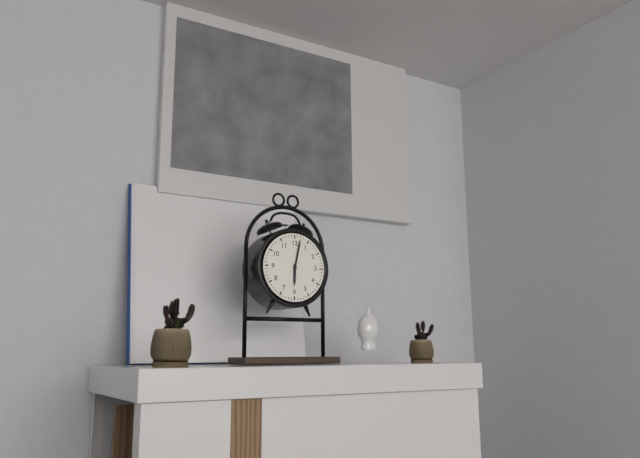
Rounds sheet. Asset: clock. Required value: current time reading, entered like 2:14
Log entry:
6:02
